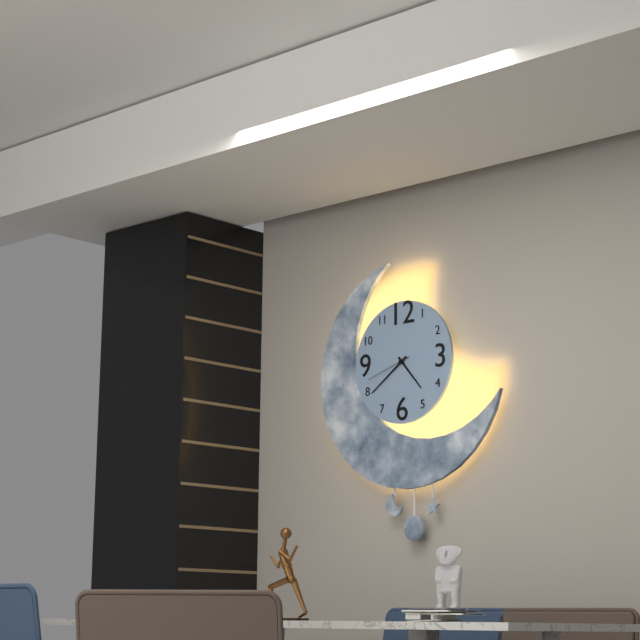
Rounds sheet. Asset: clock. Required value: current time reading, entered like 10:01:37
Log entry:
4:39:42
